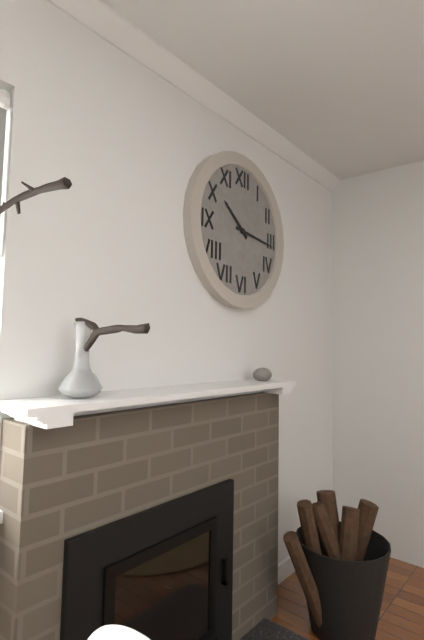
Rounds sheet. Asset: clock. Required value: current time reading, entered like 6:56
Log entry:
10:16
